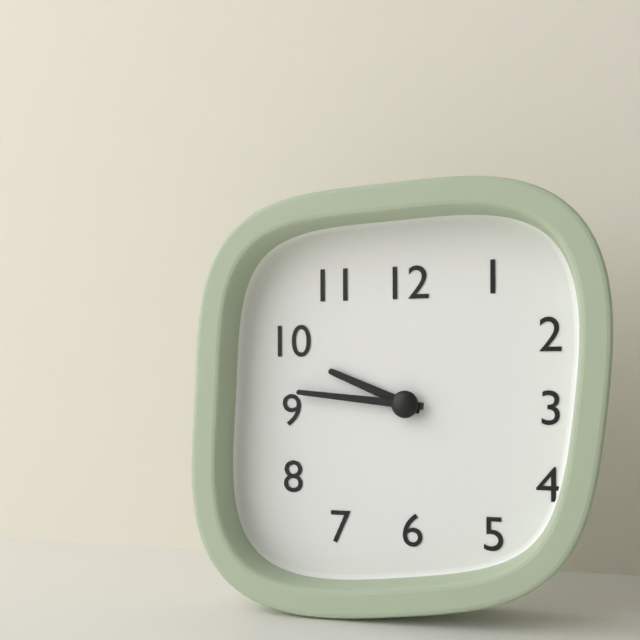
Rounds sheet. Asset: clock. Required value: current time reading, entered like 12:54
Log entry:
9:46
